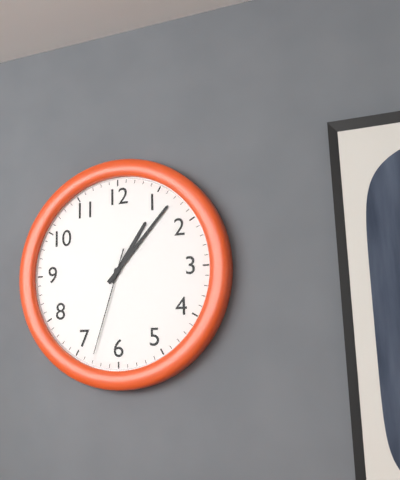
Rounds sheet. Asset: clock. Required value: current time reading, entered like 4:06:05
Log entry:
1:07:33
